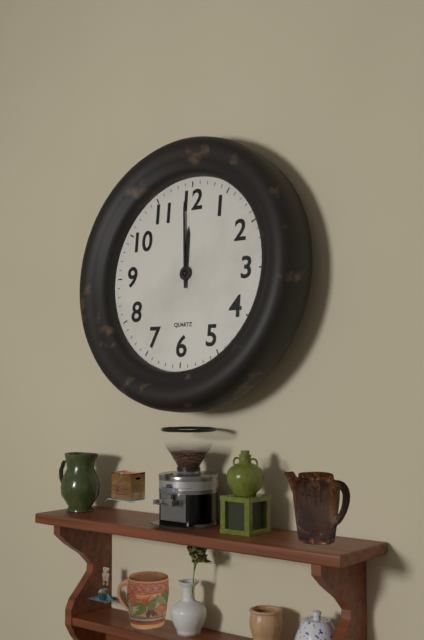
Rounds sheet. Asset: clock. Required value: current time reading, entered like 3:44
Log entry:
11:59
